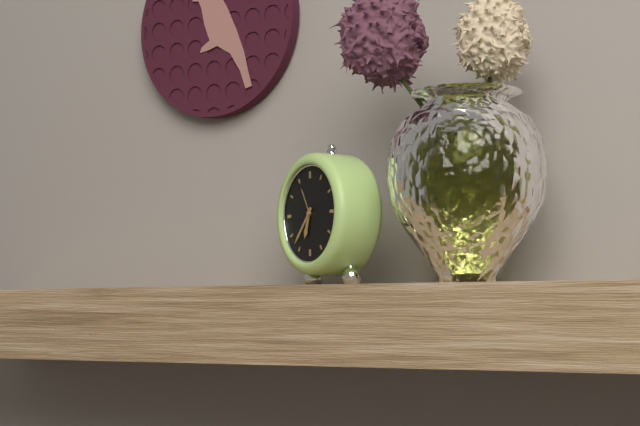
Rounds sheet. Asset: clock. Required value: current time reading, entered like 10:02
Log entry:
6:37
